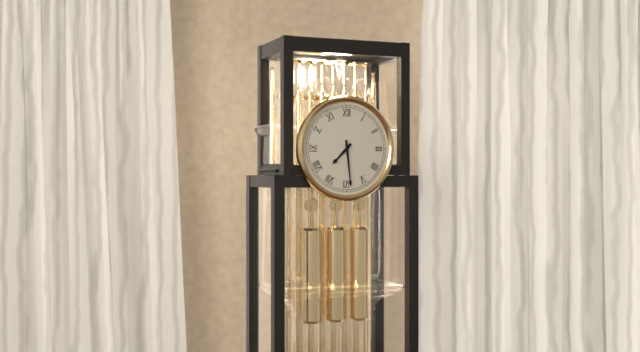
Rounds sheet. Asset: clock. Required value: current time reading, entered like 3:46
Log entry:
7:29
